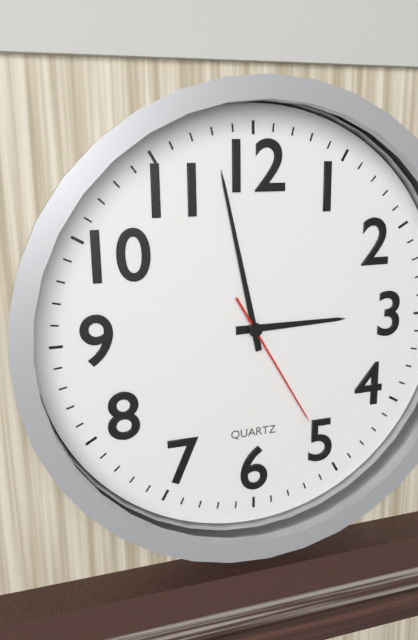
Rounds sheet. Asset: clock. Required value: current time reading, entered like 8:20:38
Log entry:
2:58:25
